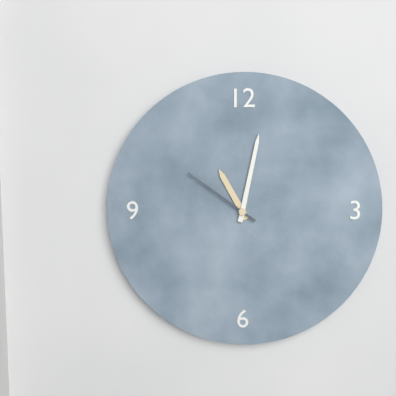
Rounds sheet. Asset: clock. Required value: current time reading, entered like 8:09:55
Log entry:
11:02:51
